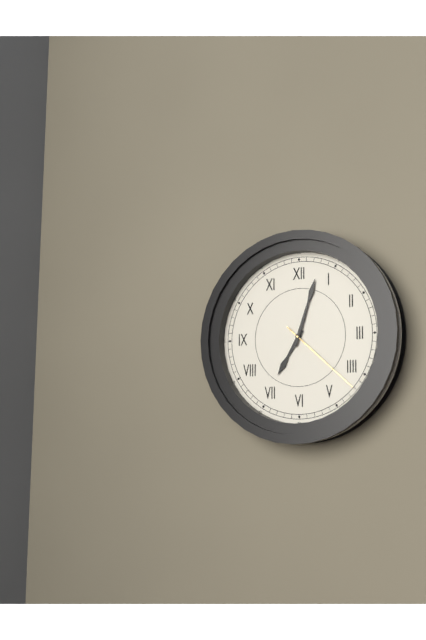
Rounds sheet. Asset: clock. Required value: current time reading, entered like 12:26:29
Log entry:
7:03:22
